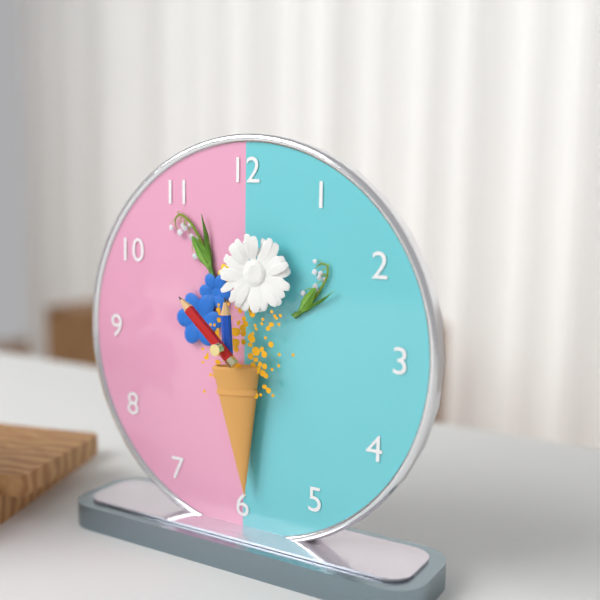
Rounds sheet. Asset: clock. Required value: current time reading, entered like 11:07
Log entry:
11:52
